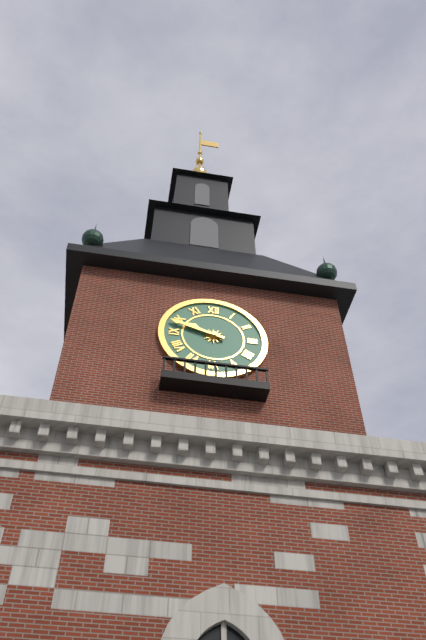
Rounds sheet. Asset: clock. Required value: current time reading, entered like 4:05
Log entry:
9:48
